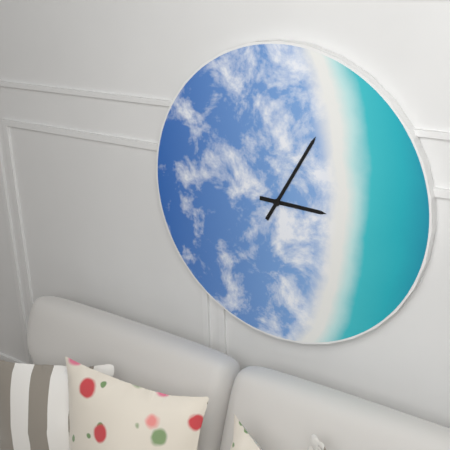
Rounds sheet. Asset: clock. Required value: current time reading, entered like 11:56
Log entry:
3:05
